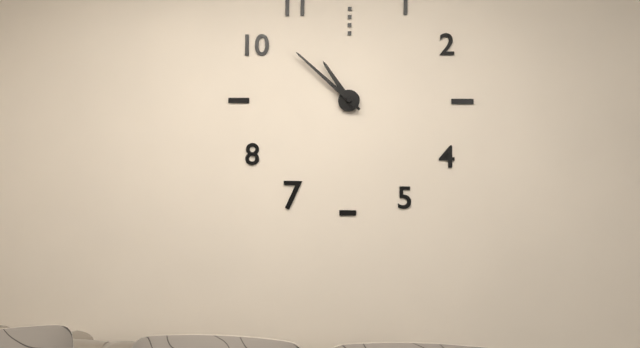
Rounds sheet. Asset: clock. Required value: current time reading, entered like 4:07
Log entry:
10:52
